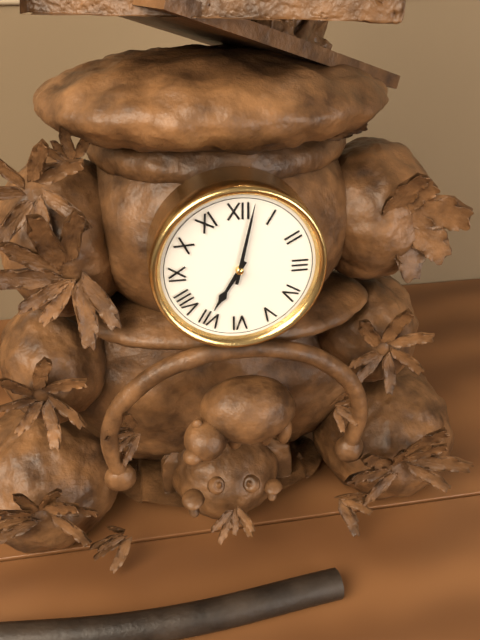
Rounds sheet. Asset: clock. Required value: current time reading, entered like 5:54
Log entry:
7:02
